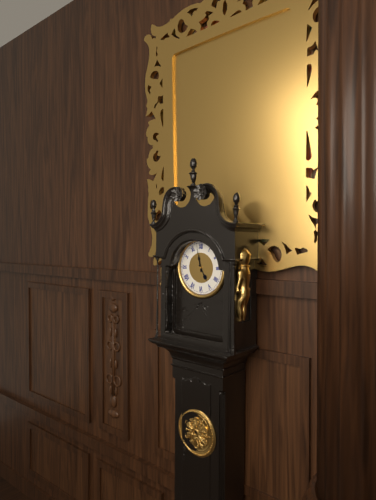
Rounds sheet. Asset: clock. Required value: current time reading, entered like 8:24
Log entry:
4:58
